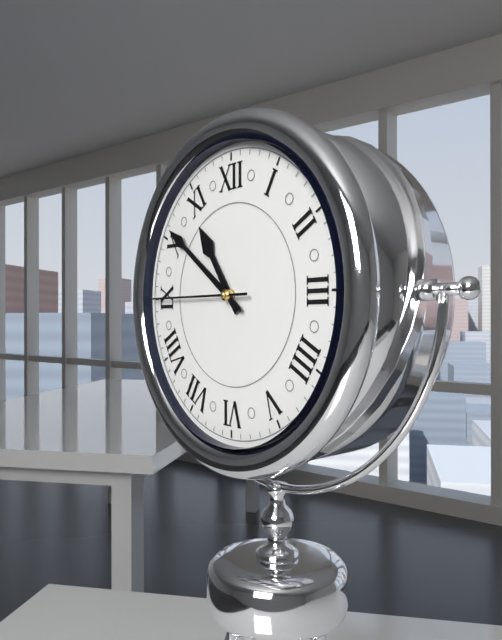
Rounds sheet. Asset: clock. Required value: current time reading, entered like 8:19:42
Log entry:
10:51:45
